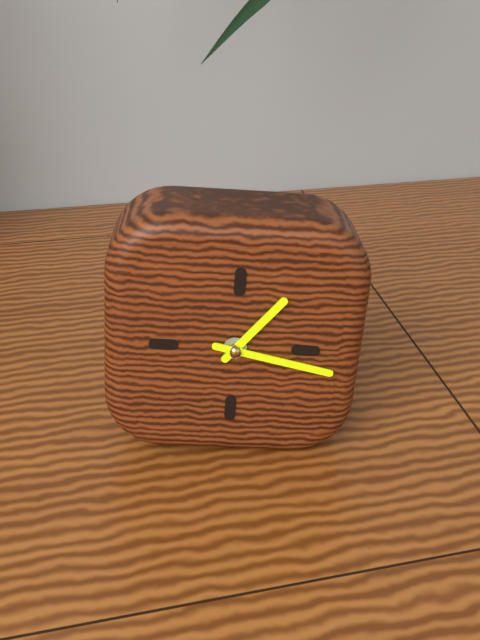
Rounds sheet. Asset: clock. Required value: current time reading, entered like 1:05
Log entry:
1:17
